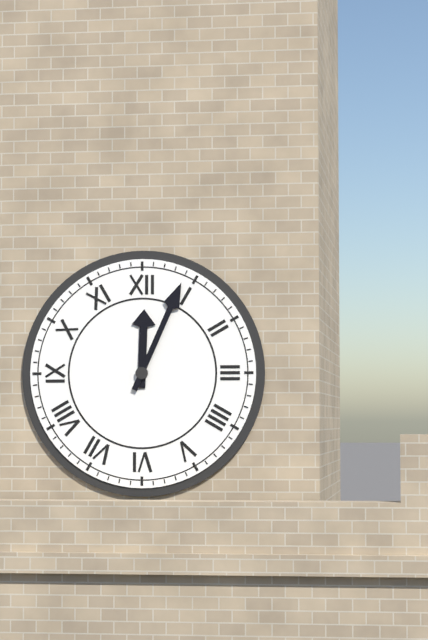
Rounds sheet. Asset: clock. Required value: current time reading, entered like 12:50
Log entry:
12:04
